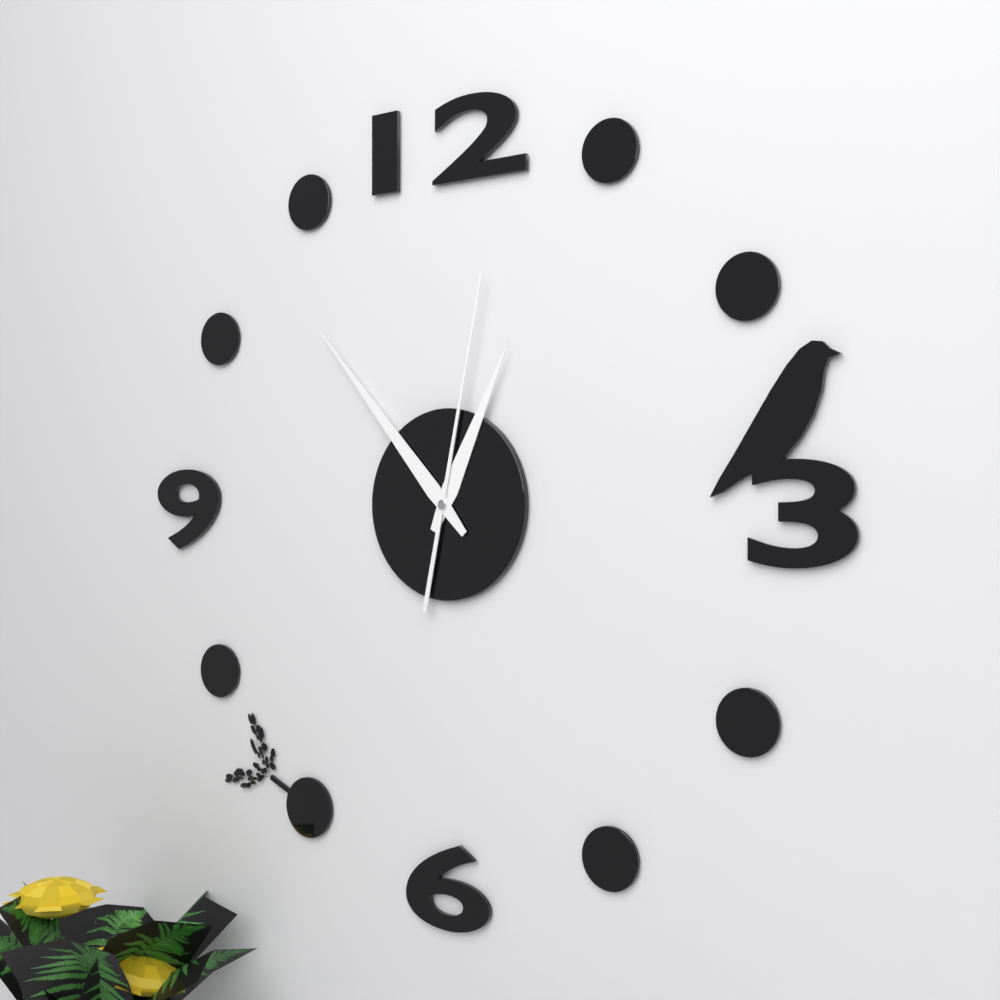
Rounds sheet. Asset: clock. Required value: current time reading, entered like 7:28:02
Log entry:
12:53:02
